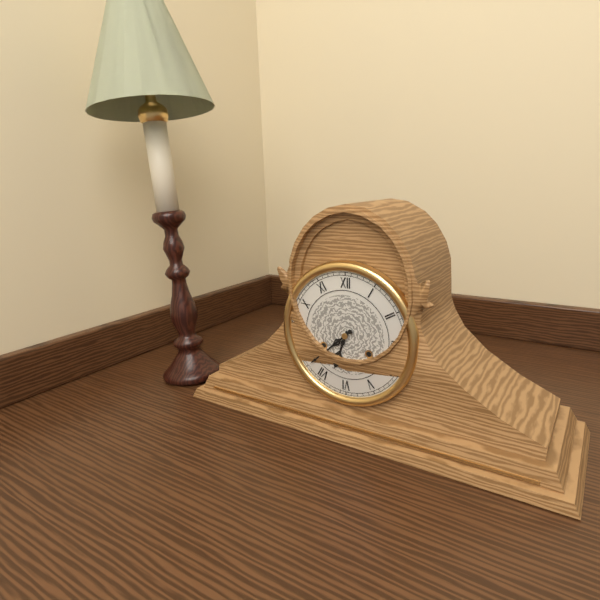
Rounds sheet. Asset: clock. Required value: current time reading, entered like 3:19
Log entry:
6:38
